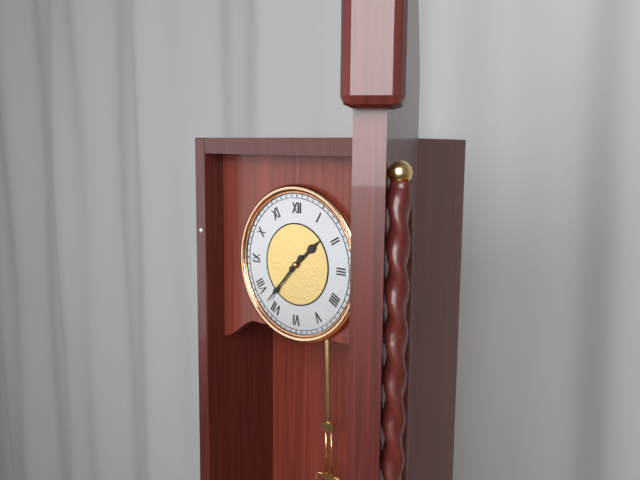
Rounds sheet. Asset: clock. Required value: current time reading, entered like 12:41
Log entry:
1:37
